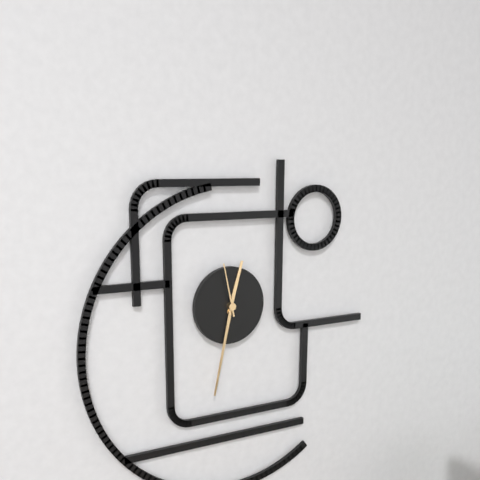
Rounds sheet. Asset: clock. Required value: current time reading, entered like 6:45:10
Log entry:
12:32:58
